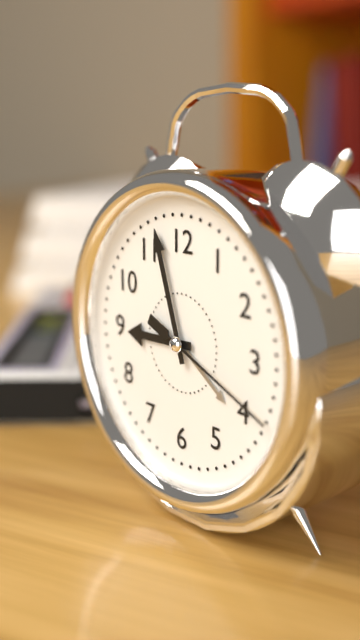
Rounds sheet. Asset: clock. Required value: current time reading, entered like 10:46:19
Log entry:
8:57:19
